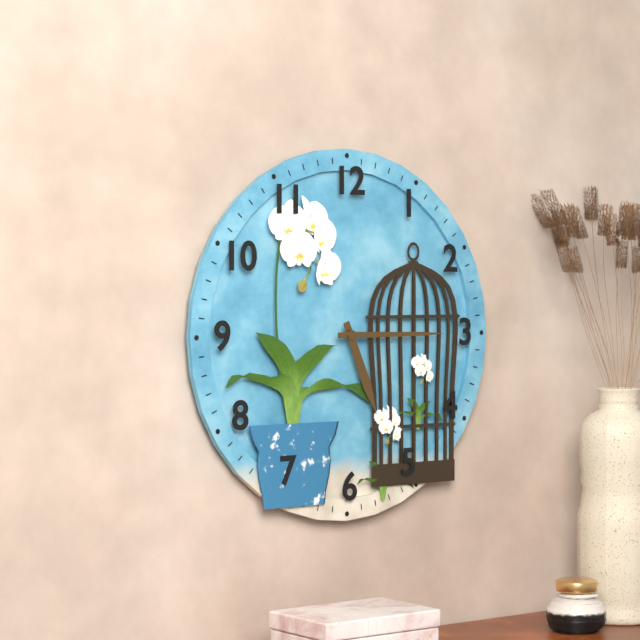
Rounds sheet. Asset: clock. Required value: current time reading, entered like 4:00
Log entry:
5:15
